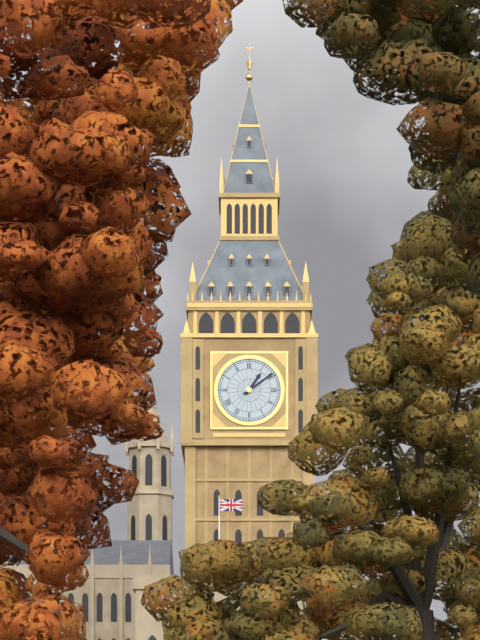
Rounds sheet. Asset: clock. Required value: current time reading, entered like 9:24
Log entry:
1:09
